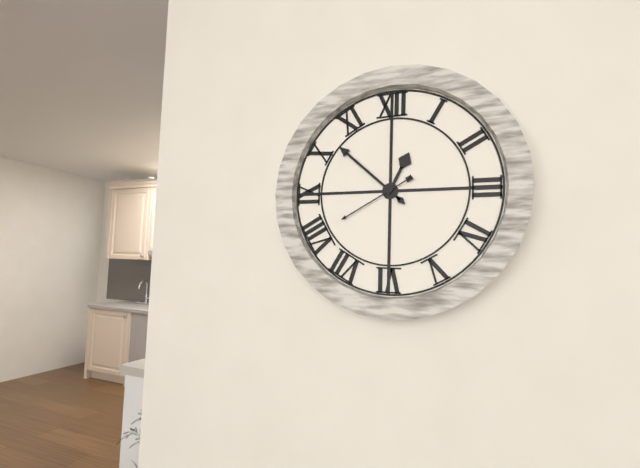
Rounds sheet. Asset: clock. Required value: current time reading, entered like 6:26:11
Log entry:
12:52:40
